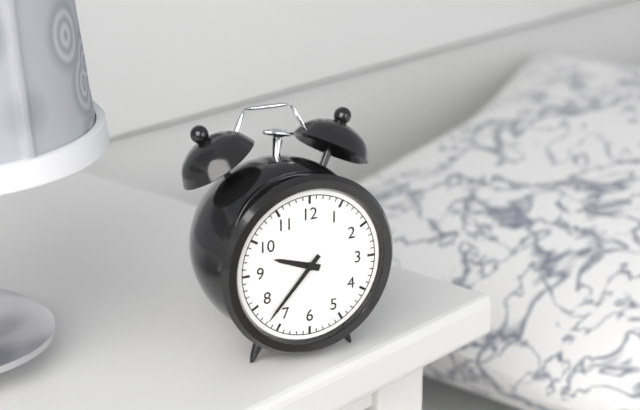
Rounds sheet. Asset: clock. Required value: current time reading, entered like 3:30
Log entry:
9:37
